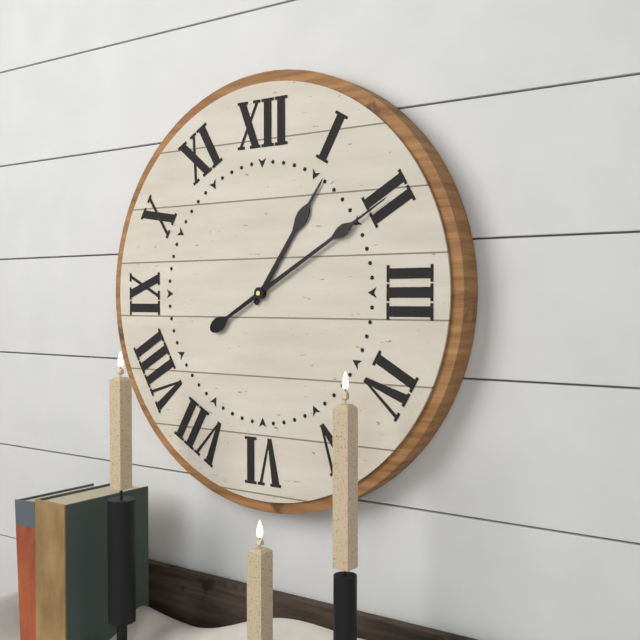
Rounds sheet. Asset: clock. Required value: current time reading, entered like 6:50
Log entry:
1:10
